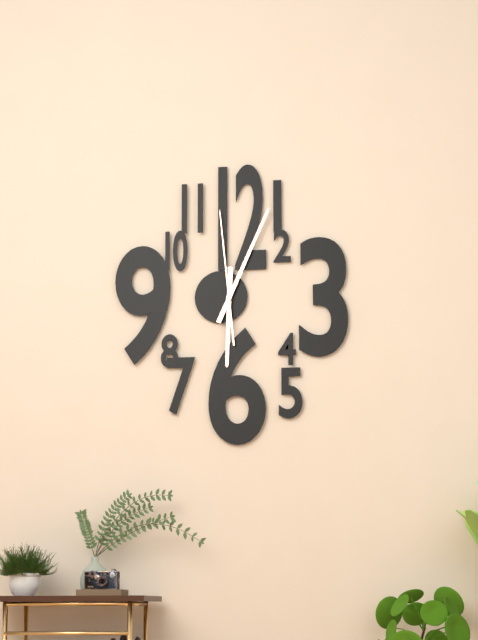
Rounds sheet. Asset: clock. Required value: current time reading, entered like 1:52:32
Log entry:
6:04:59
